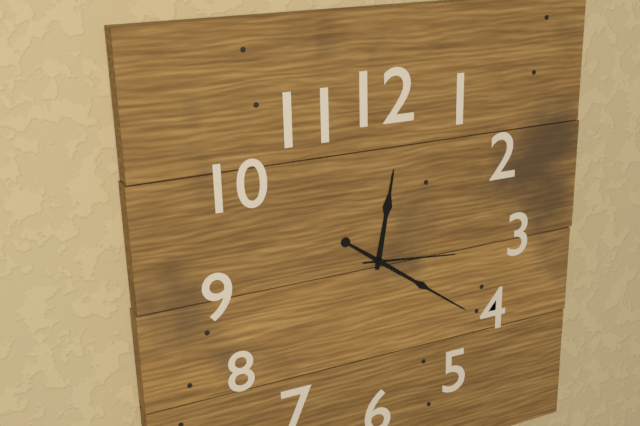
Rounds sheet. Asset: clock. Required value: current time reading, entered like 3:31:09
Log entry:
12:21:16
